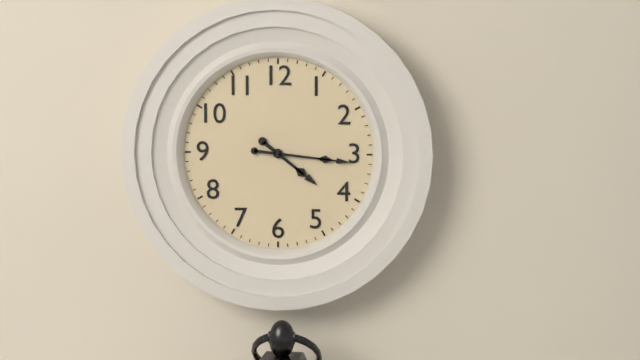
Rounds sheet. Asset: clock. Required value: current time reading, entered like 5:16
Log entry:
4:16
